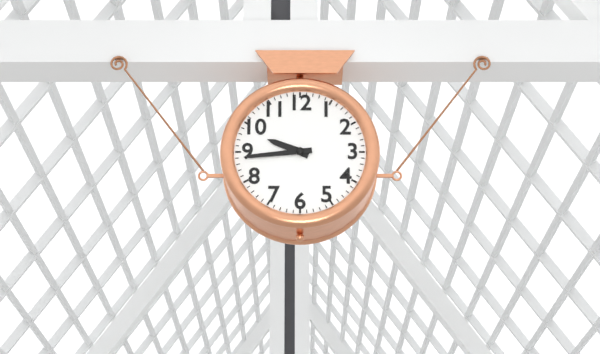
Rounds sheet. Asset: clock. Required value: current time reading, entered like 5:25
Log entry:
9:44
